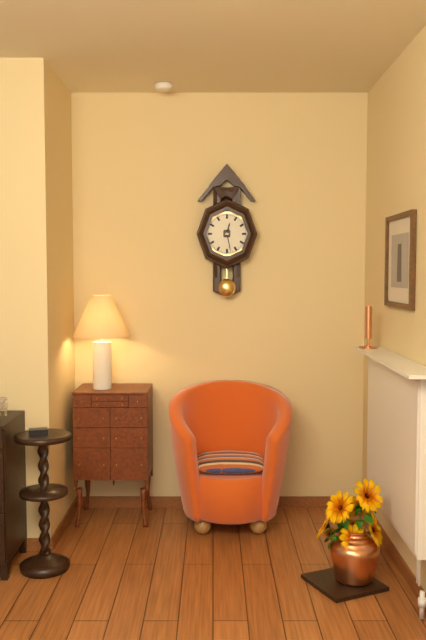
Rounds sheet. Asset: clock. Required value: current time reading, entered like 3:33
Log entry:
12:28
